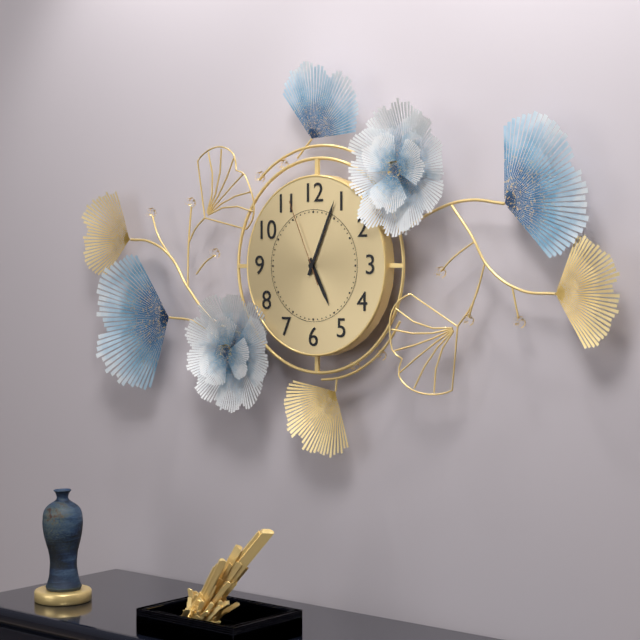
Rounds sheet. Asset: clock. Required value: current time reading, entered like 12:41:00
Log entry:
5:04:56
